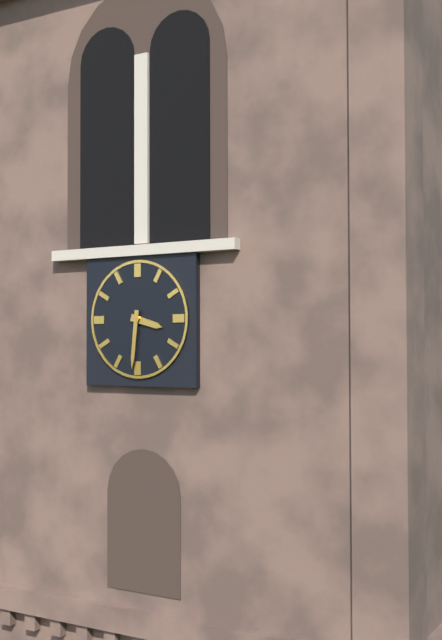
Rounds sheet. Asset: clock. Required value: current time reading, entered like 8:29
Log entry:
3:31
